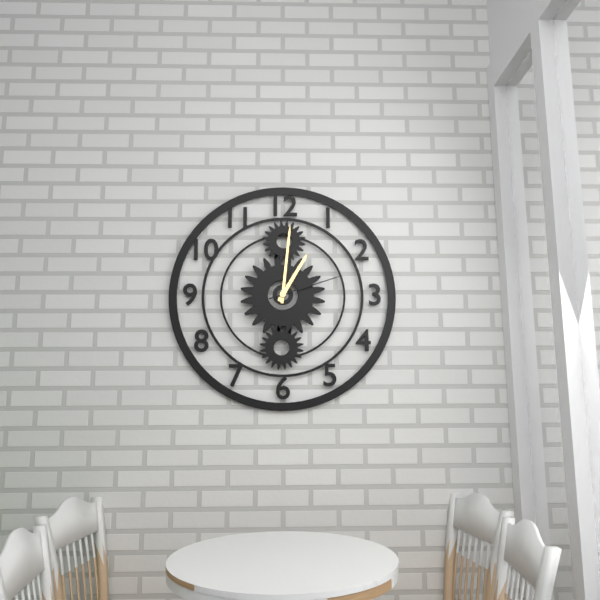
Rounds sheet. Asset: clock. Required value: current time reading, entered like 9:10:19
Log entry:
1:01:12
